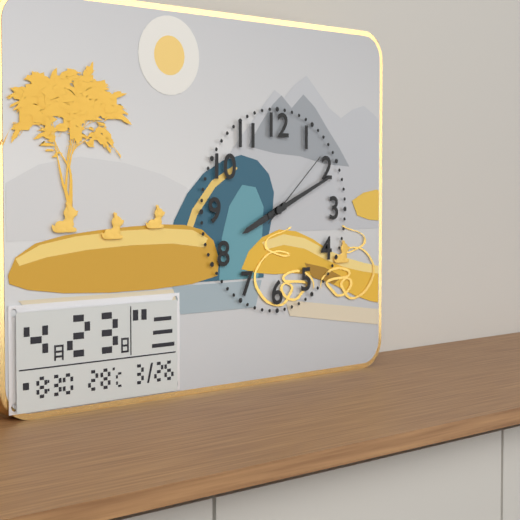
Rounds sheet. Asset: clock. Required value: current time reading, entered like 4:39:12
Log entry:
8:11:08
